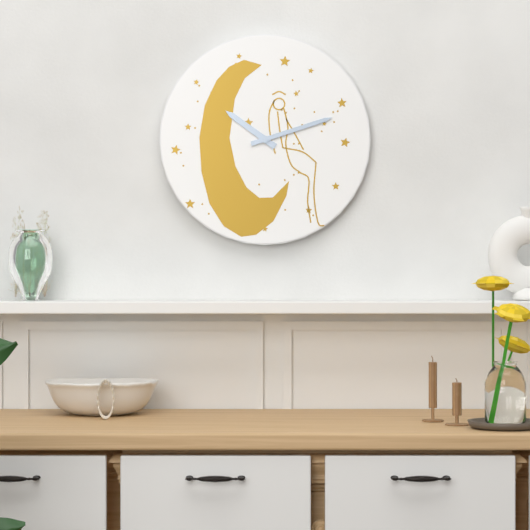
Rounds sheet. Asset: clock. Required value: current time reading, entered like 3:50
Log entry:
10:12
